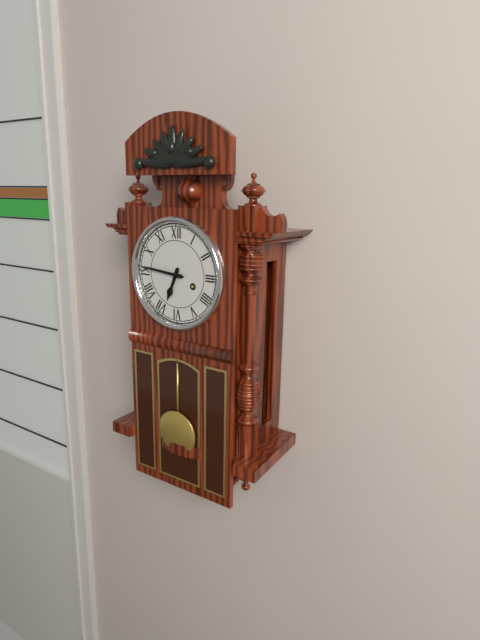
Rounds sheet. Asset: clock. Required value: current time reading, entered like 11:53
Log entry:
6:46
